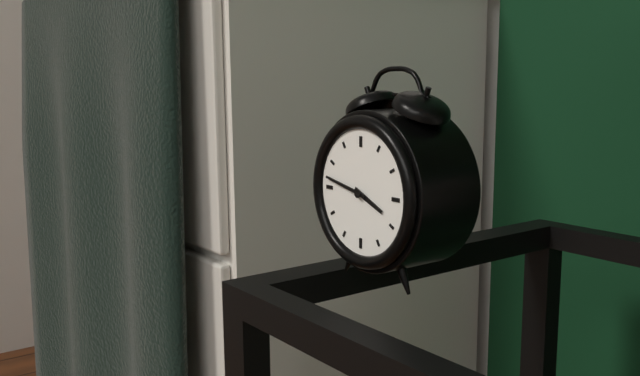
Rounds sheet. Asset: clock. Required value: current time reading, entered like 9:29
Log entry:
3:47
